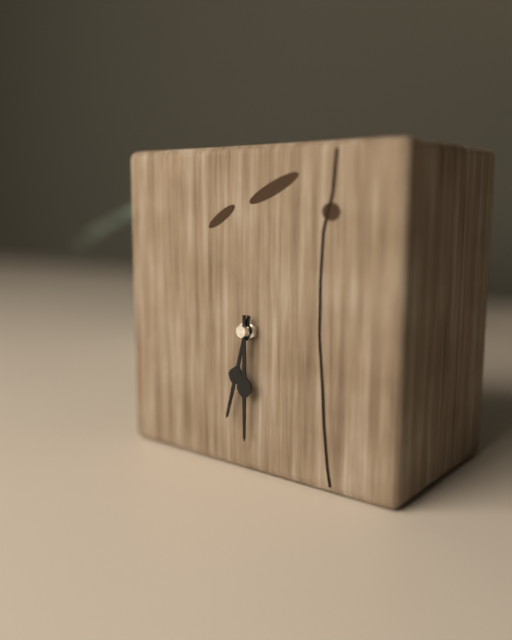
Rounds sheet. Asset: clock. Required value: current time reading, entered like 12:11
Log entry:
6:30
